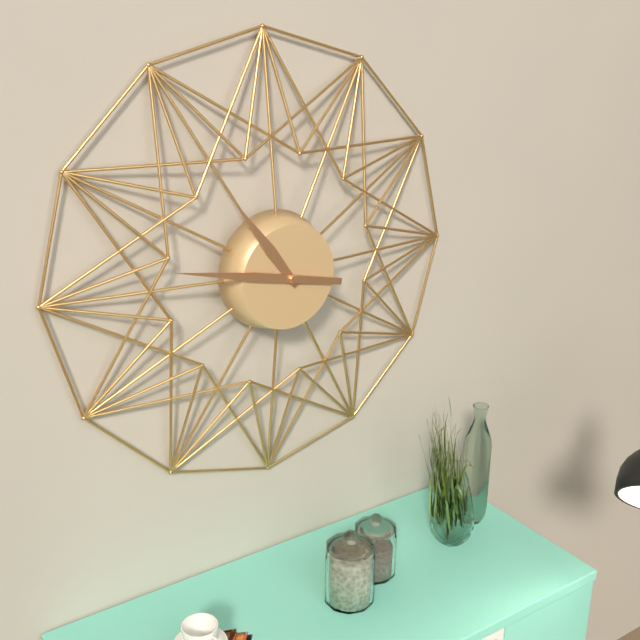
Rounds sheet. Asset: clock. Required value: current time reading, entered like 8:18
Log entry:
10:47
